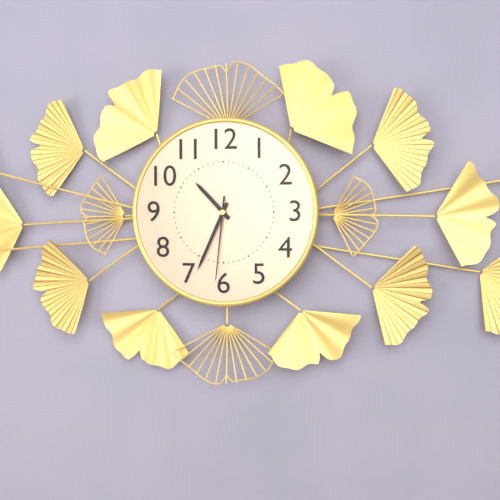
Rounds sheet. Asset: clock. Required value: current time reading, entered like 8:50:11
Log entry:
10:34:31
